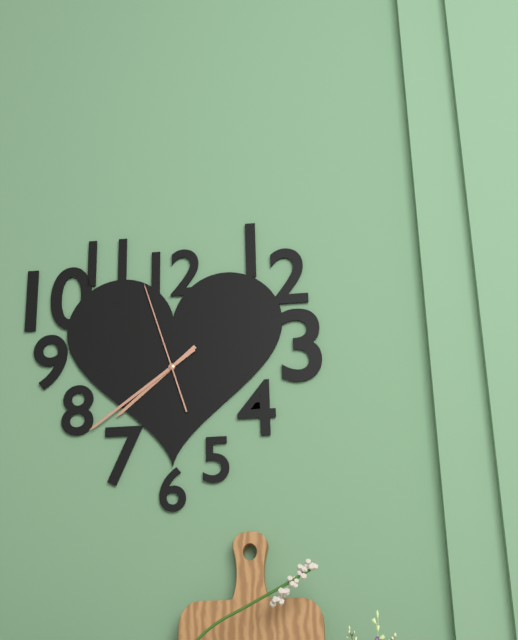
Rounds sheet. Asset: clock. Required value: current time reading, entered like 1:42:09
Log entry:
7:39:57
